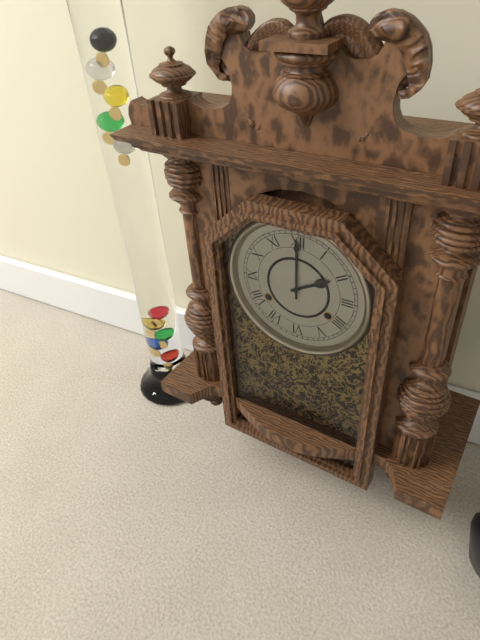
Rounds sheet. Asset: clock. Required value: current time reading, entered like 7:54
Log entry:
2:00
